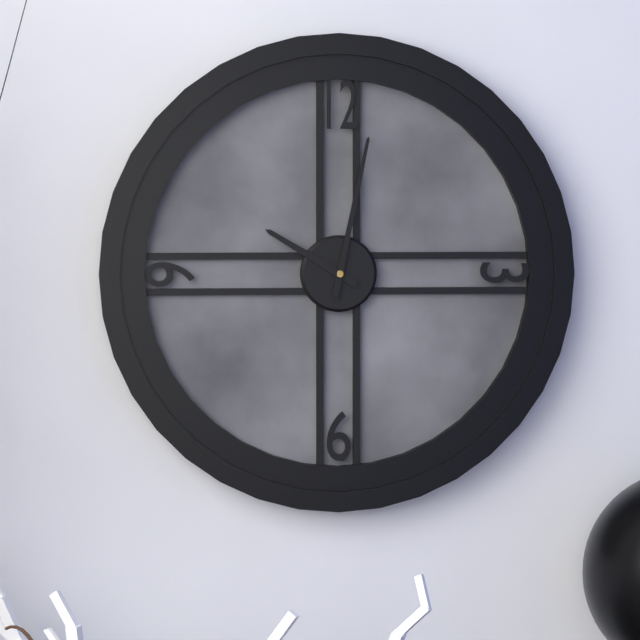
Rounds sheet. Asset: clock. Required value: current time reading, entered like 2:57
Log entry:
10:02
